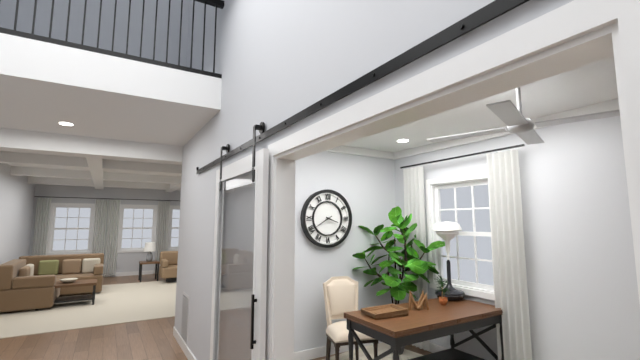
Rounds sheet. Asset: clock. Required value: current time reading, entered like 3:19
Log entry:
3:40
